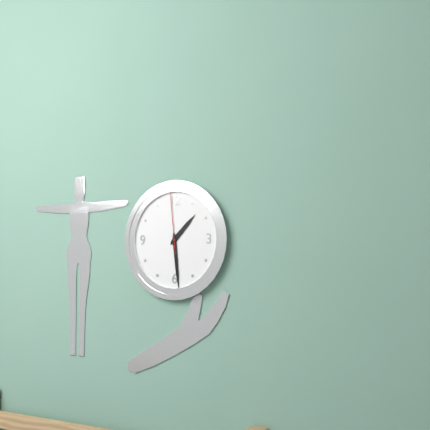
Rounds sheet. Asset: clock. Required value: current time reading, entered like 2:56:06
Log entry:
1:29:59
